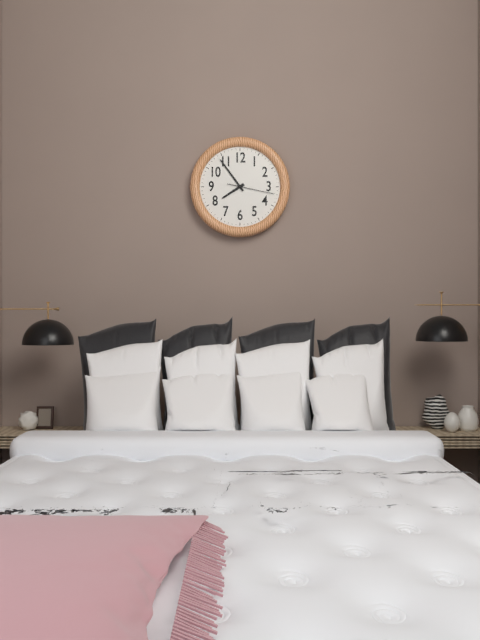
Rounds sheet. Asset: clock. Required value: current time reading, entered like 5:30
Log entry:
7:54
